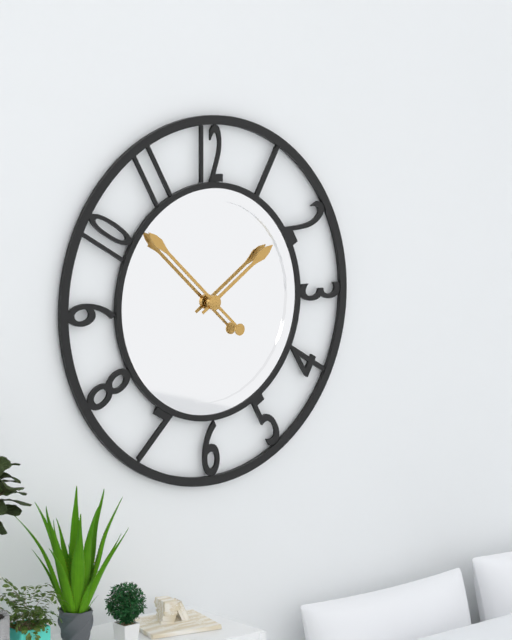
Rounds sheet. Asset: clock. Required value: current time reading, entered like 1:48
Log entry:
1:52
